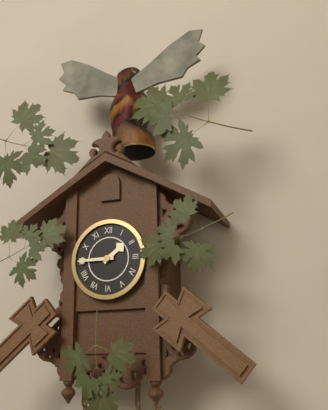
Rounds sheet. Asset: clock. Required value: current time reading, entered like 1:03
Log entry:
1:45
